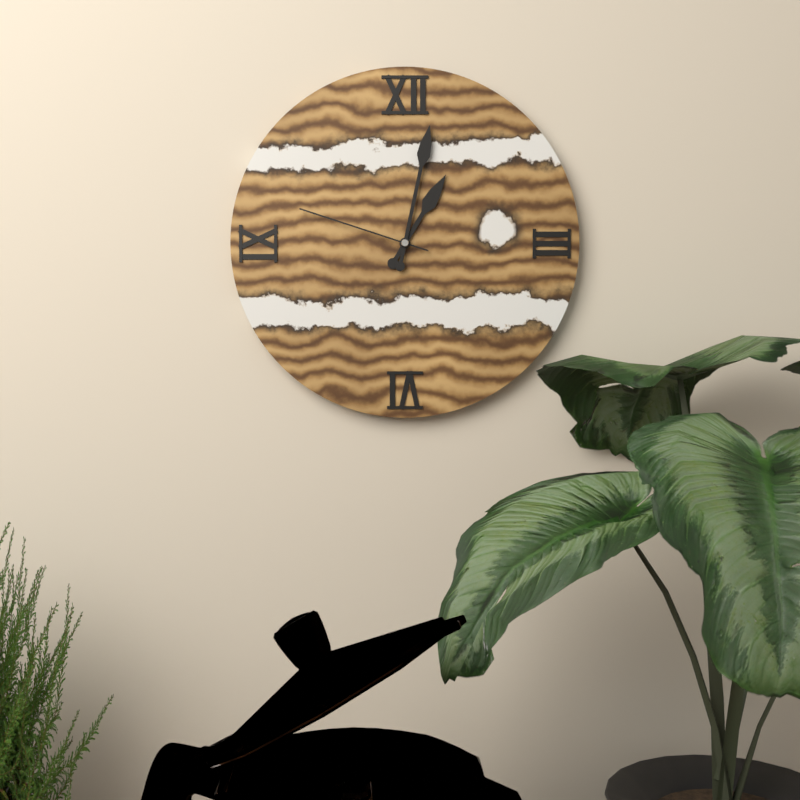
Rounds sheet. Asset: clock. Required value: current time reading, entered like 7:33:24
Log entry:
1:02:48
